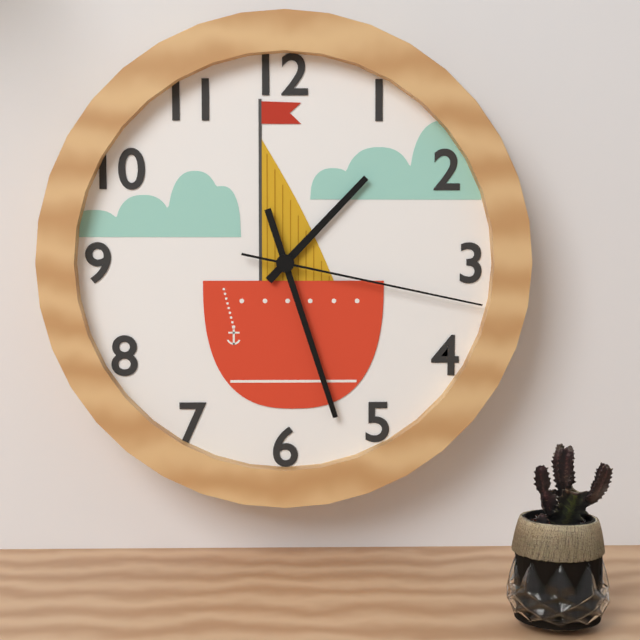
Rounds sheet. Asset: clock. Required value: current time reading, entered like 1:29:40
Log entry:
1:27:17
